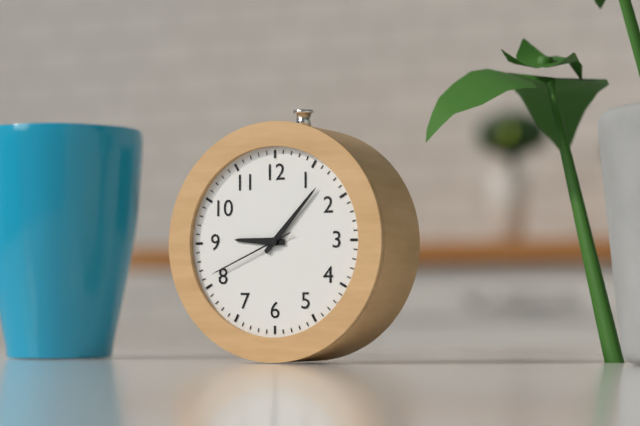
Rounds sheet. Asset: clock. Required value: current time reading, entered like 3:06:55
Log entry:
9:07:41
